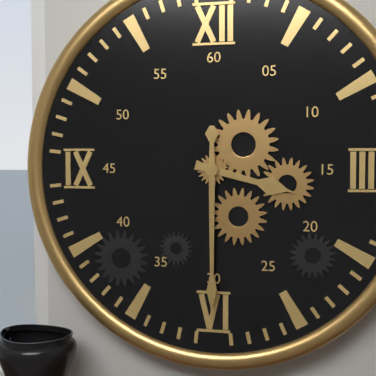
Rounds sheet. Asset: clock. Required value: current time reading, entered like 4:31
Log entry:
3:30
